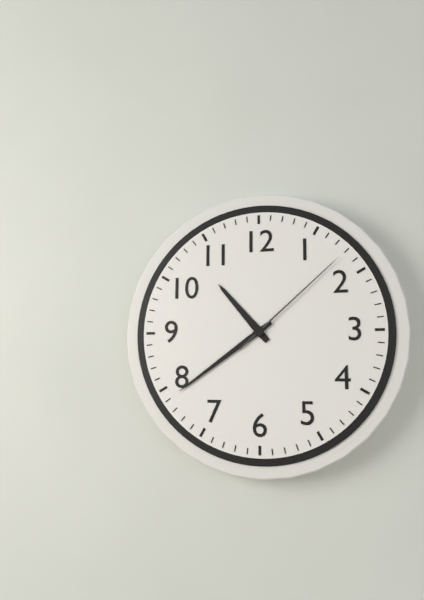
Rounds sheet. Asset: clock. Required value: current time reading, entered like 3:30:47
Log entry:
10:39:08
